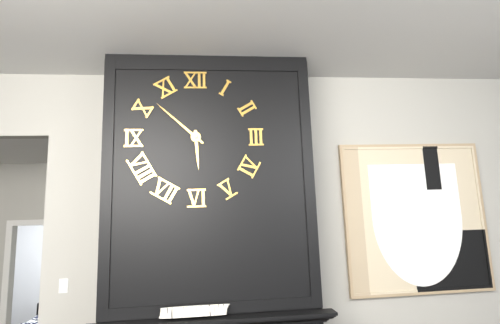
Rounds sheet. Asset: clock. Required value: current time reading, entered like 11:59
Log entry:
5:52
